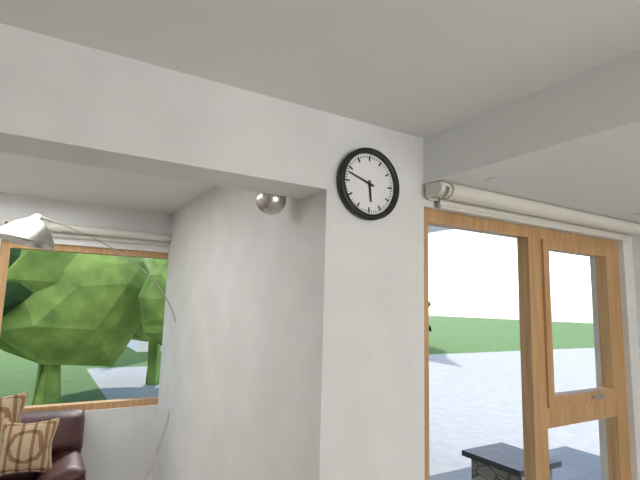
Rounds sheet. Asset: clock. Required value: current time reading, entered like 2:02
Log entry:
5:48
